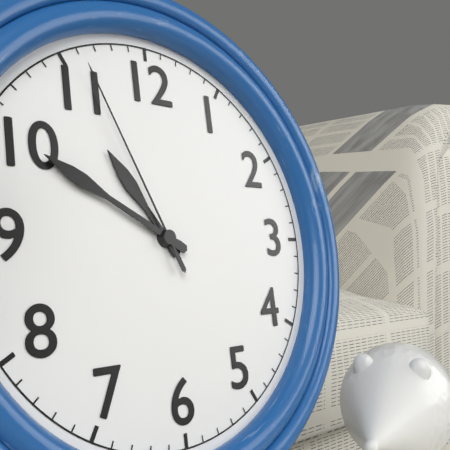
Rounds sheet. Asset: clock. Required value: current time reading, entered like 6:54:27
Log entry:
10:50:56
